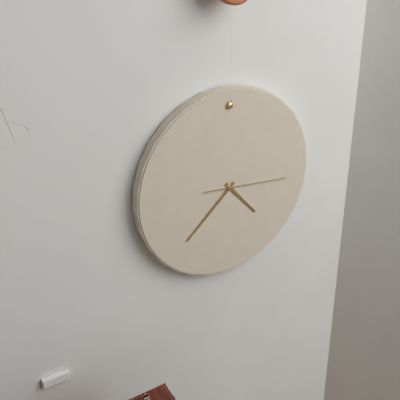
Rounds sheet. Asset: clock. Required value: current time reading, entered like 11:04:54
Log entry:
4:38:16
